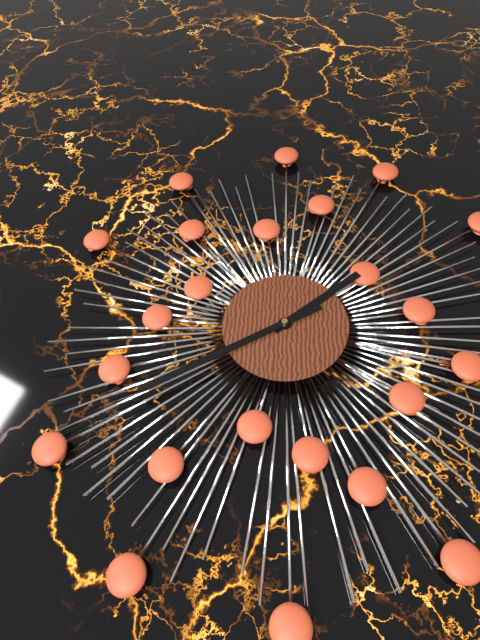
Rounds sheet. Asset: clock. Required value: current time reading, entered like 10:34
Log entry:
1:40
